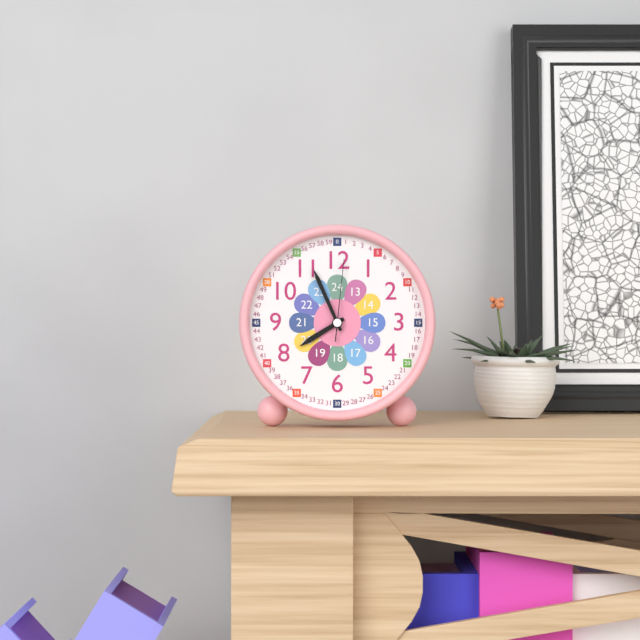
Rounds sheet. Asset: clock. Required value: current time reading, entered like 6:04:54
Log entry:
7:56:01
